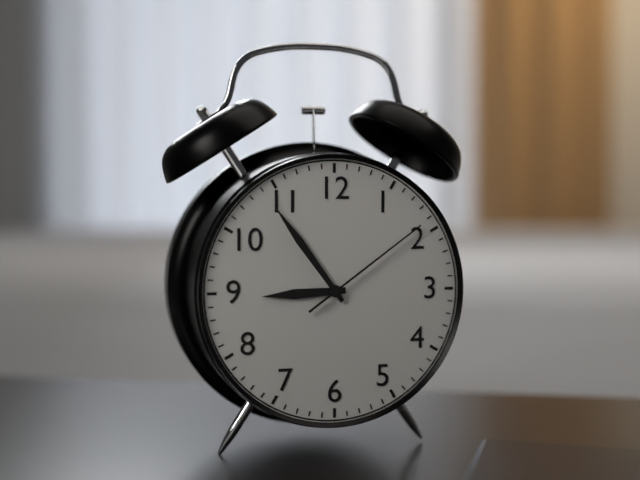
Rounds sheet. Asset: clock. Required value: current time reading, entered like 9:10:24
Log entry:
8:54:09
